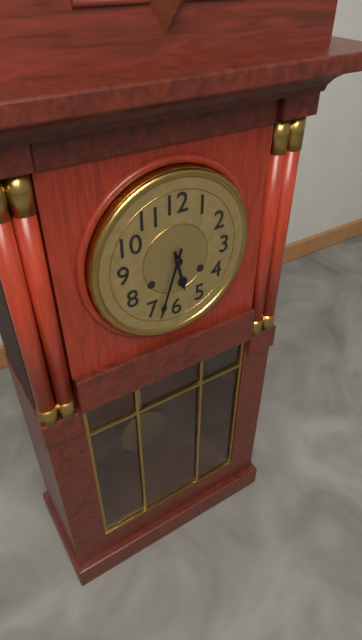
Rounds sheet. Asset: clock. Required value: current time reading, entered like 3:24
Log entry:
5:33
